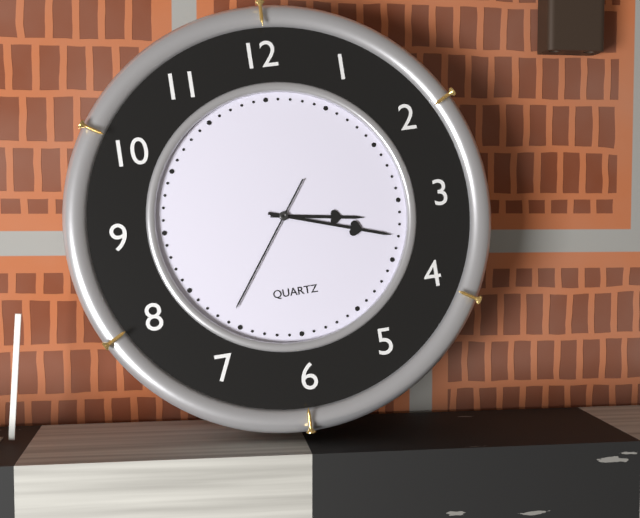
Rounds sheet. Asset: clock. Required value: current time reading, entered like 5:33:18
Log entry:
3:18:36
